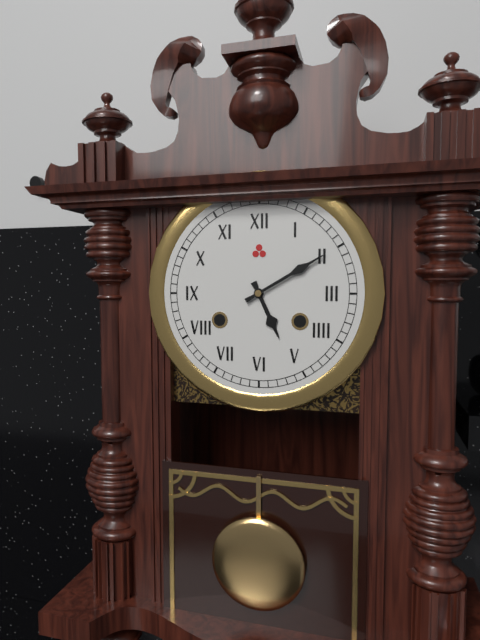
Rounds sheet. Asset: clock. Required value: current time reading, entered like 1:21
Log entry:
5:10
